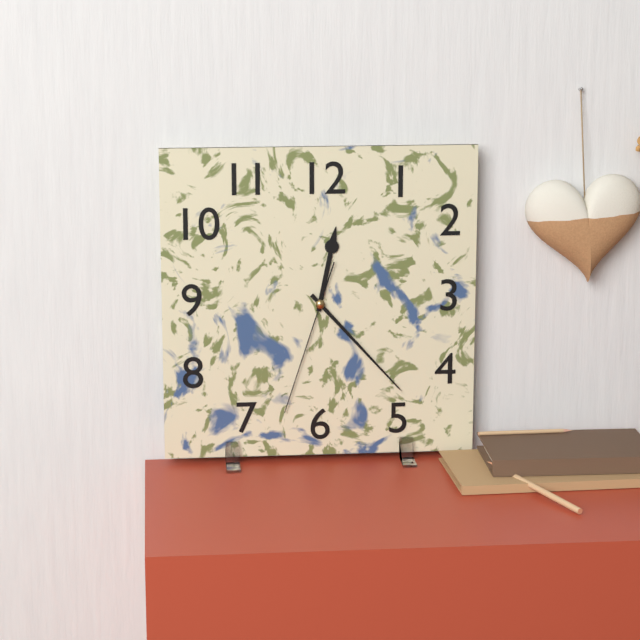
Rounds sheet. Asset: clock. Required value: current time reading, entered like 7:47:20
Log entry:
12:23:33
